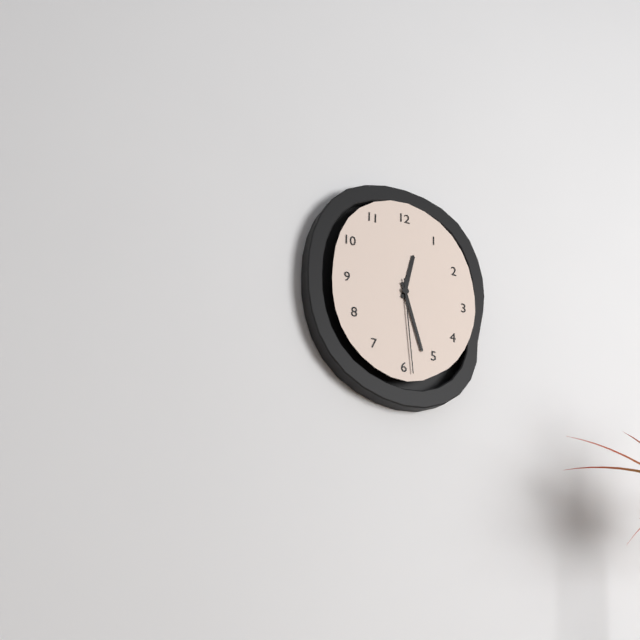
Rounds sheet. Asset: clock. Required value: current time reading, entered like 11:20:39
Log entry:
12:27:29
